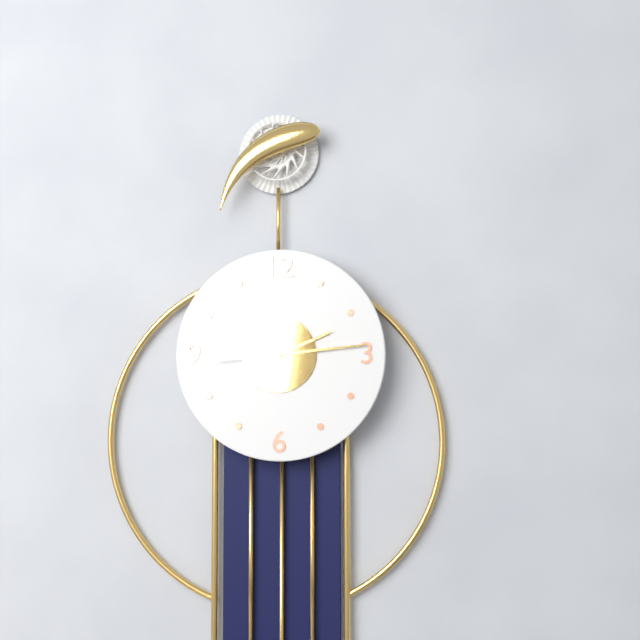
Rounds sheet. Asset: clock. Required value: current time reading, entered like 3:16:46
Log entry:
2:14:44
